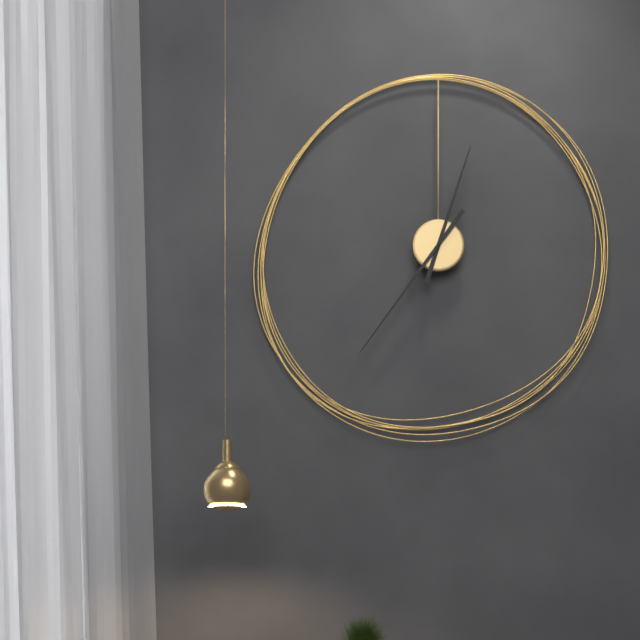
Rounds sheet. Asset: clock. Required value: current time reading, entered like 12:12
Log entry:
12:36
